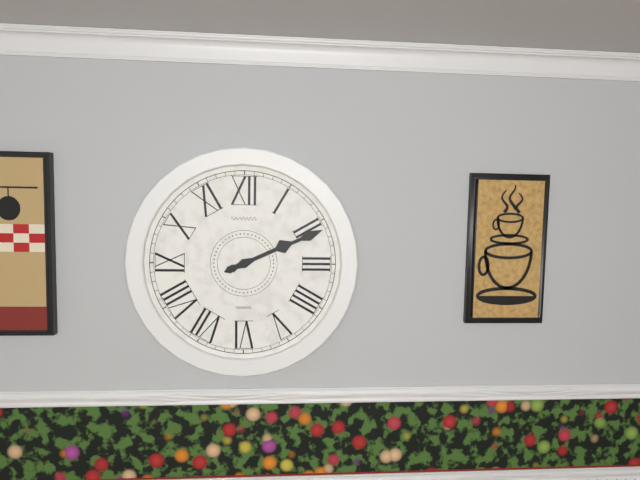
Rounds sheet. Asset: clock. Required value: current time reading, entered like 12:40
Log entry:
2:11
